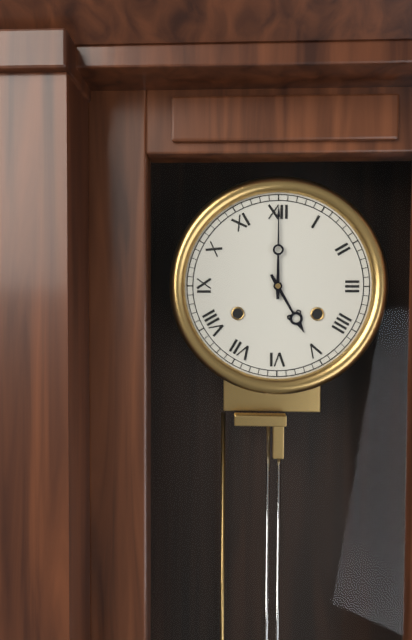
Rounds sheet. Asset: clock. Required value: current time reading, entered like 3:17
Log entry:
5:00
